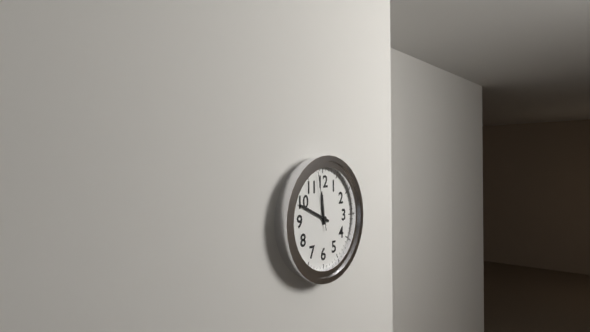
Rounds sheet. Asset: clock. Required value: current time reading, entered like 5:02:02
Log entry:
11:49:58
